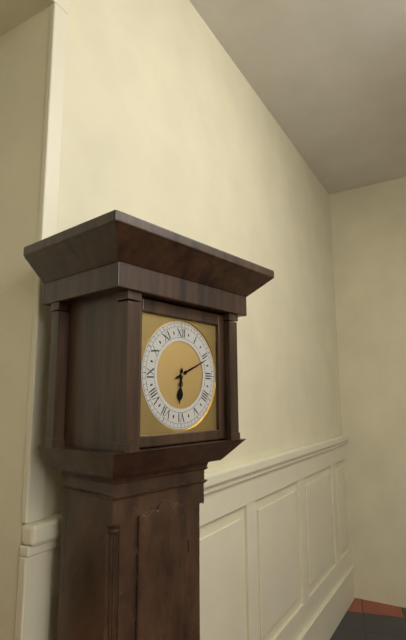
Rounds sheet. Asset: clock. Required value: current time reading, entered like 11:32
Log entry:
6:11
